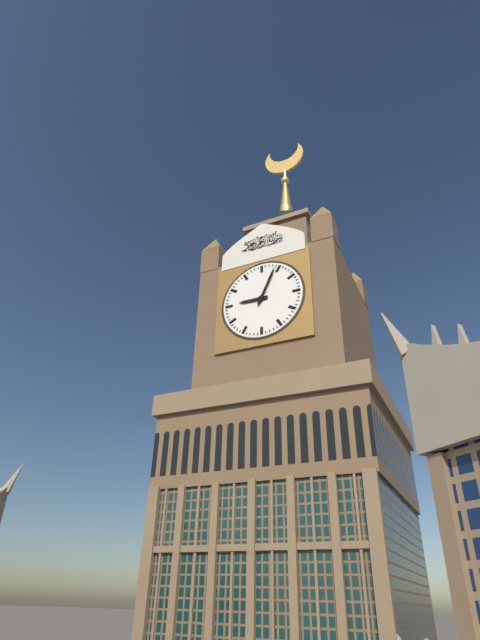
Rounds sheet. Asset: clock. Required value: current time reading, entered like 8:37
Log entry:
9:04
